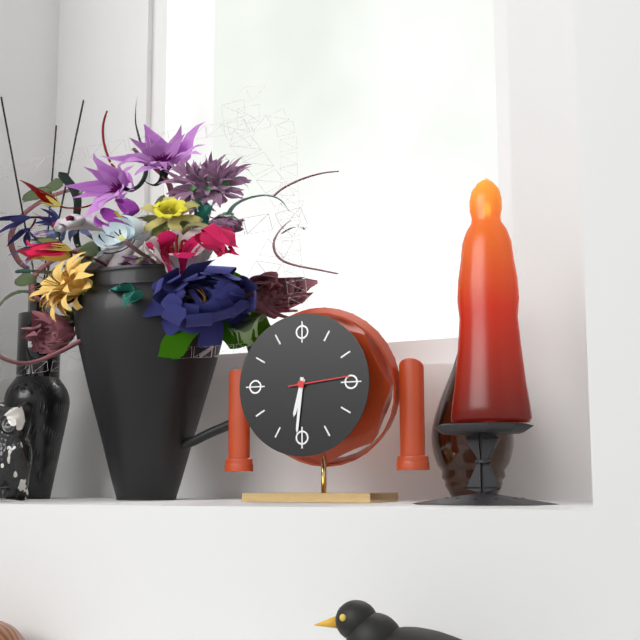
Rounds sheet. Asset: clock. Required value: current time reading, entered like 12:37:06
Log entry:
6:31:14
